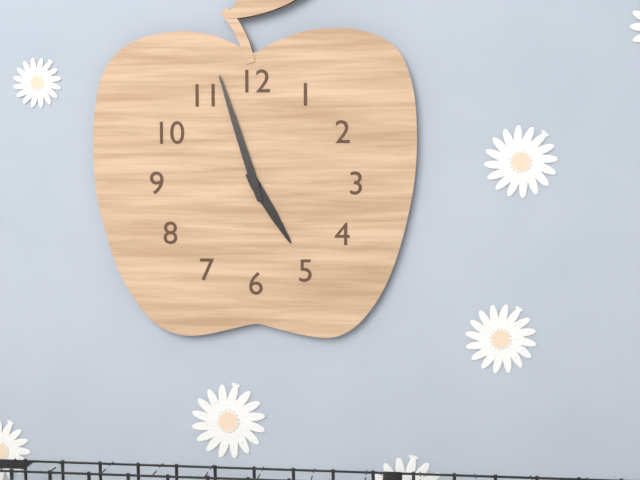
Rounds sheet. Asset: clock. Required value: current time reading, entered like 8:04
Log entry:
4:57
